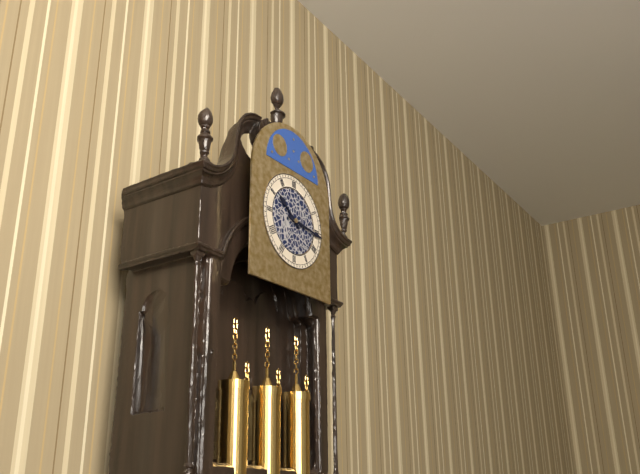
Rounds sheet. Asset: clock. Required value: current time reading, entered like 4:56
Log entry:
10:16
